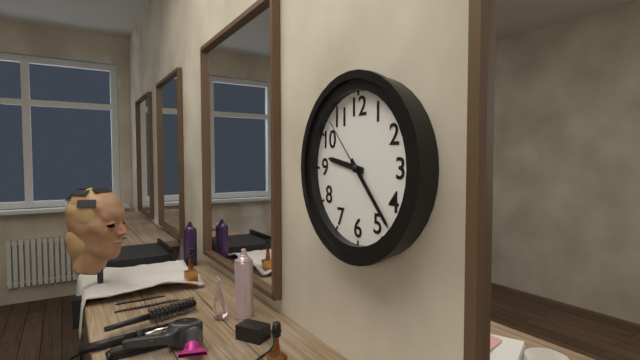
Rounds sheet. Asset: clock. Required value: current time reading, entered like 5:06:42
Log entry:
9:23:53
